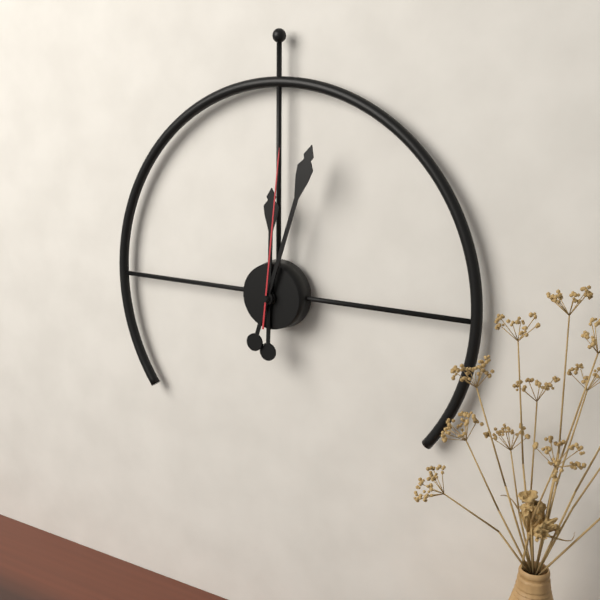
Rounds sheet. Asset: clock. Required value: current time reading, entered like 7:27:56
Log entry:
12:03:01
